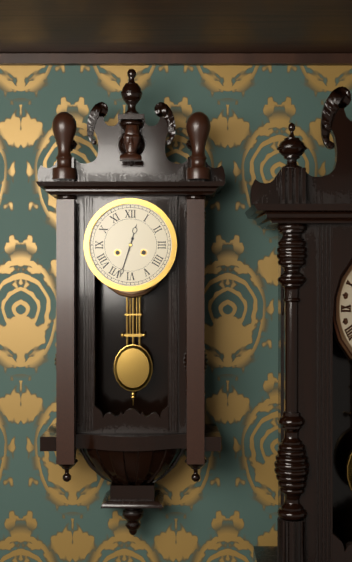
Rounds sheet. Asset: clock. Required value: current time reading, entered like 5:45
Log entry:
12:33
